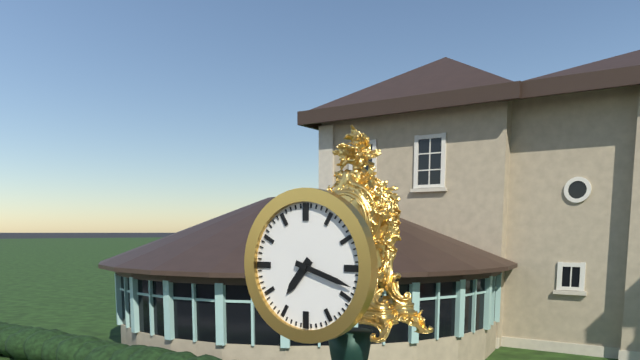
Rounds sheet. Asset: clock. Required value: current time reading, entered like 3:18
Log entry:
7:18
